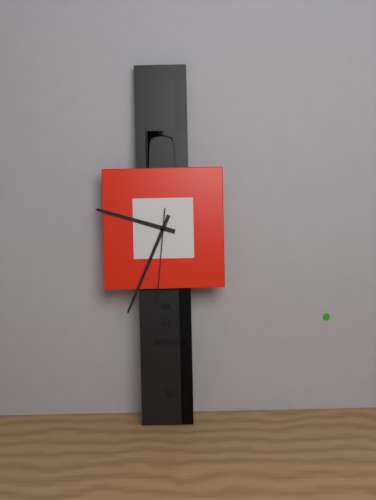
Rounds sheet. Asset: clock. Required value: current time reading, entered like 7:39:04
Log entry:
9:34:31
